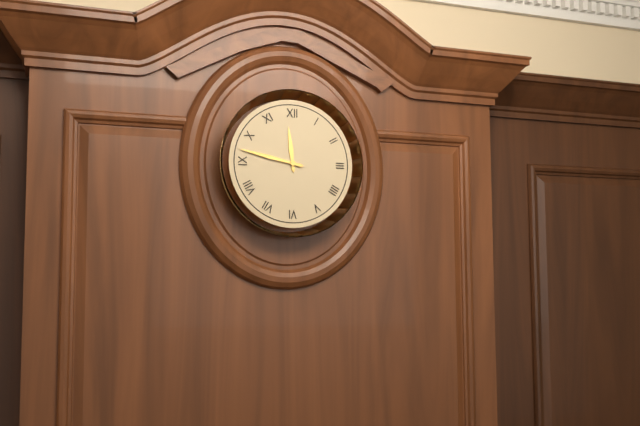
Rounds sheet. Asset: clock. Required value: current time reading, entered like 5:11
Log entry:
11:47
